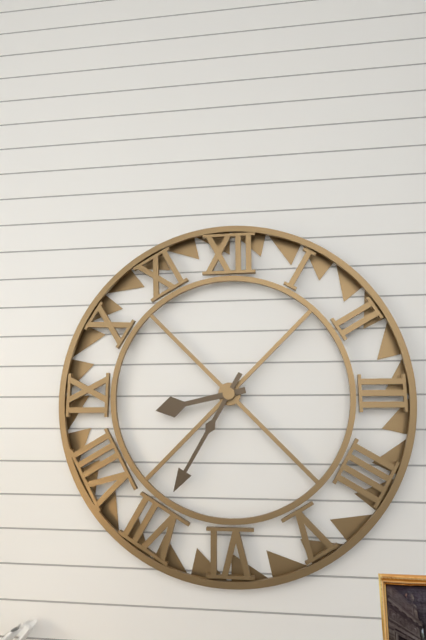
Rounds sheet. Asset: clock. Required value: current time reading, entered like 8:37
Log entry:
8:35
